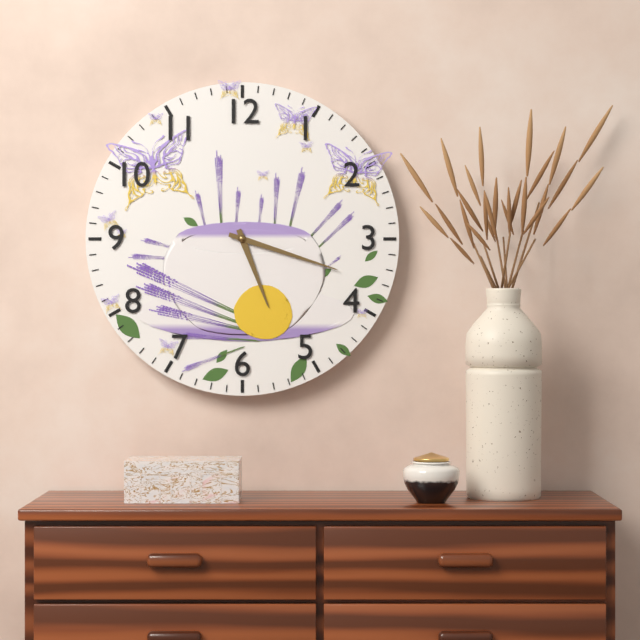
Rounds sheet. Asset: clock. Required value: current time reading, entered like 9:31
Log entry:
5:18
